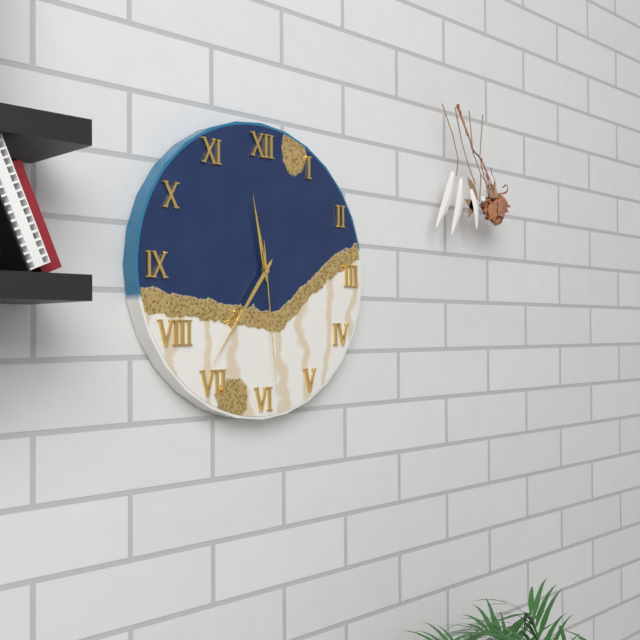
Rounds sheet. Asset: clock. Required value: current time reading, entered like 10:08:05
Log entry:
11:36:29
